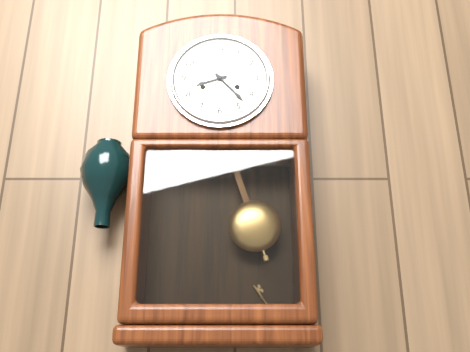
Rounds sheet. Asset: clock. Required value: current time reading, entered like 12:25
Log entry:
8:23
